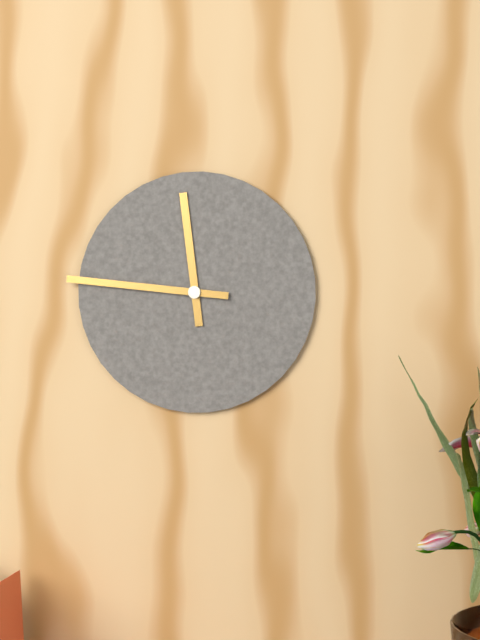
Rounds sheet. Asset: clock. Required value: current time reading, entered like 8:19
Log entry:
11:46
